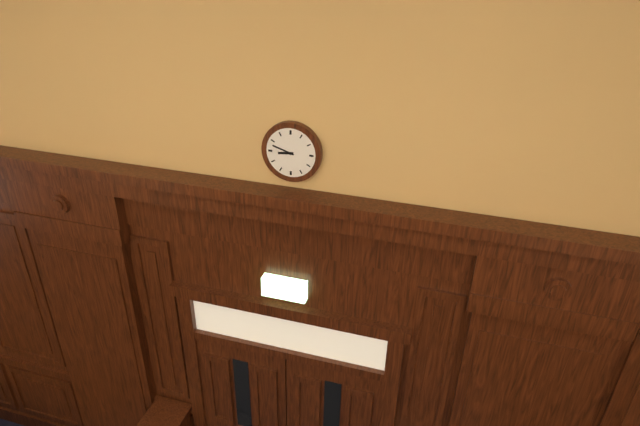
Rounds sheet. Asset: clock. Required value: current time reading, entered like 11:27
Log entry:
8:48
